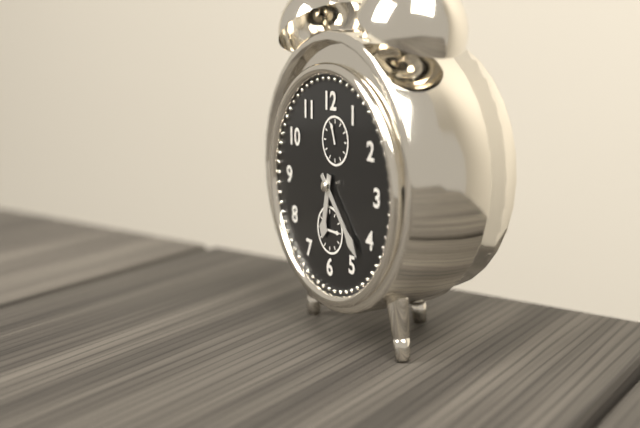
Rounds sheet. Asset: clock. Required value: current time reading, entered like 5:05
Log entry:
6:23
